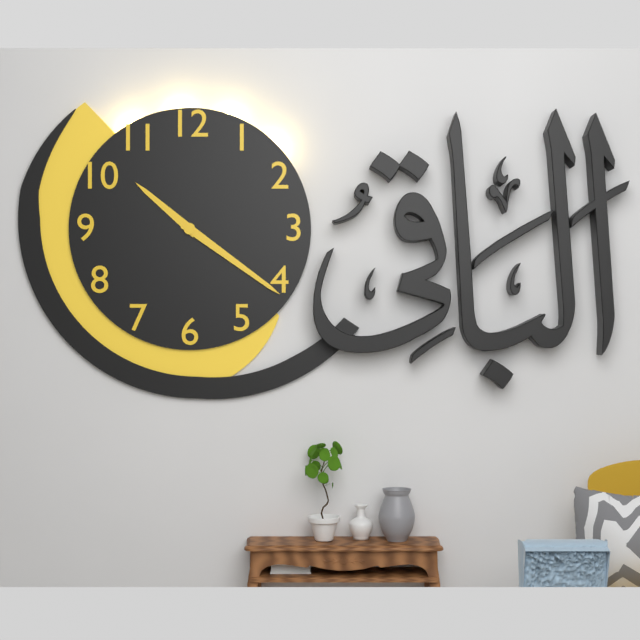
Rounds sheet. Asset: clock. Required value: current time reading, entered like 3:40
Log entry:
10:21
